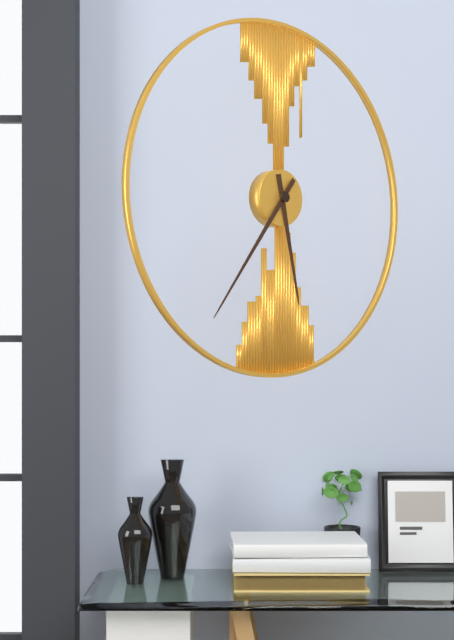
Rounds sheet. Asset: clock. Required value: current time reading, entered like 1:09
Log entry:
5:36
